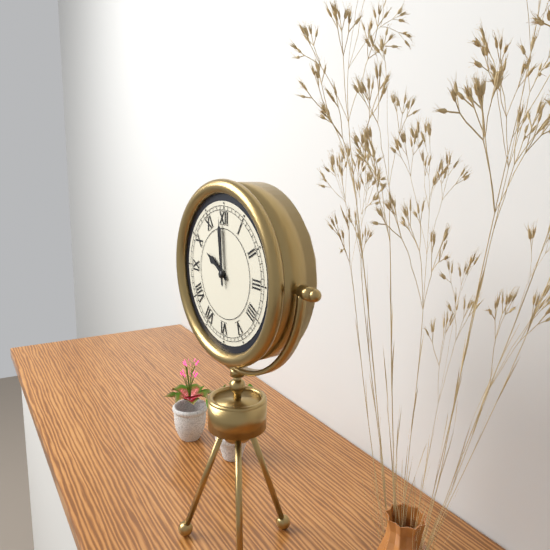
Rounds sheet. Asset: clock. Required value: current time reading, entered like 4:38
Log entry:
9:59
